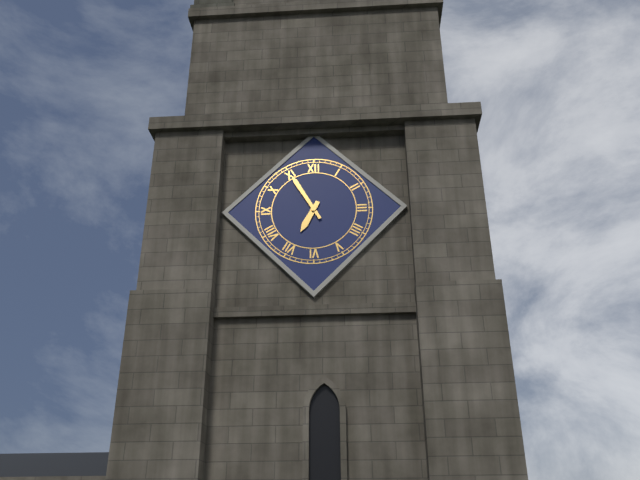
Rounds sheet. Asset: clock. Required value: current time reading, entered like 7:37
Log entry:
6:55
